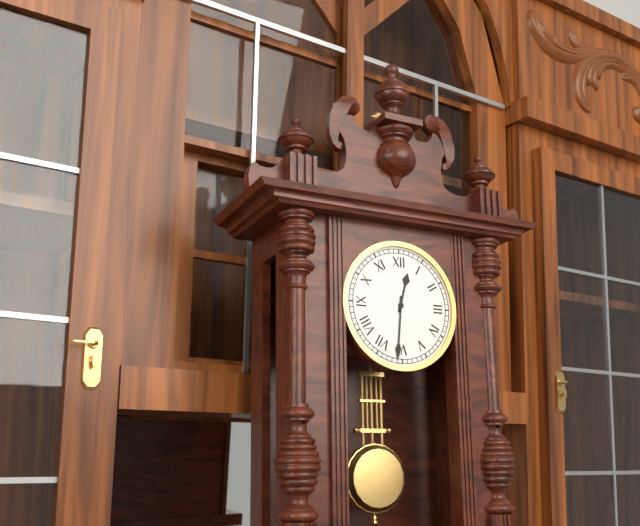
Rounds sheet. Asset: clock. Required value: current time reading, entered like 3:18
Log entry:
12:31
